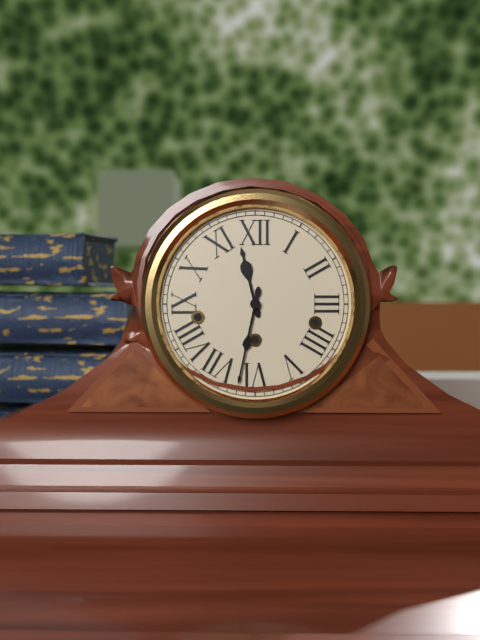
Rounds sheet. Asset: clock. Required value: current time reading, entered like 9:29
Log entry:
11:32
